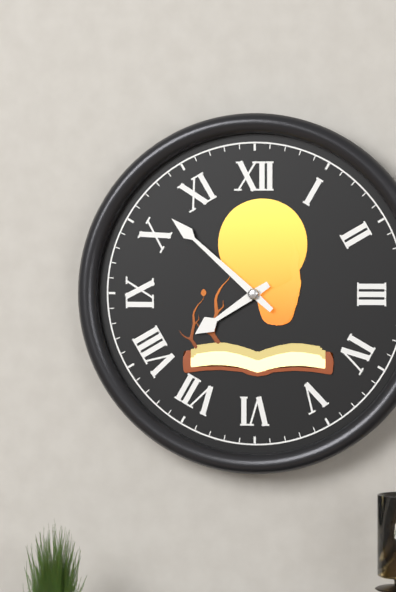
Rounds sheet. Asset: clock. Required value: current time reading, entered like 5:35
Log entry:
7:52
